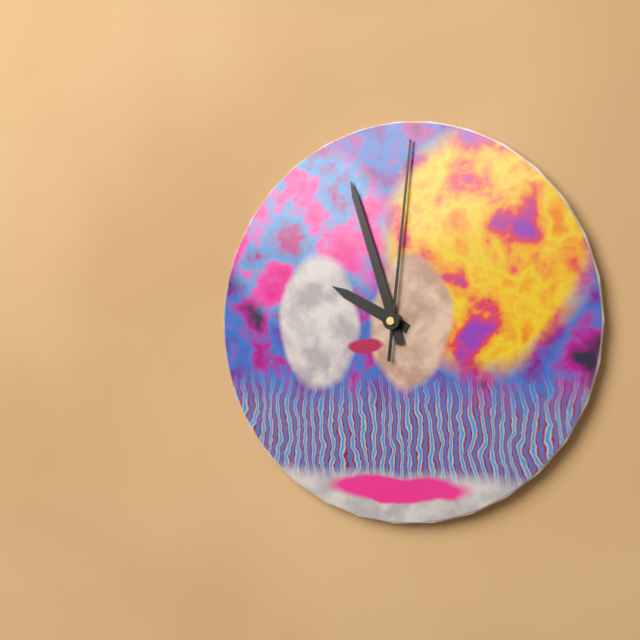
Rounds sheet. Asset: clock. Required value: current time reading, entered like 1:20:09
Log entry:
9:57:01
